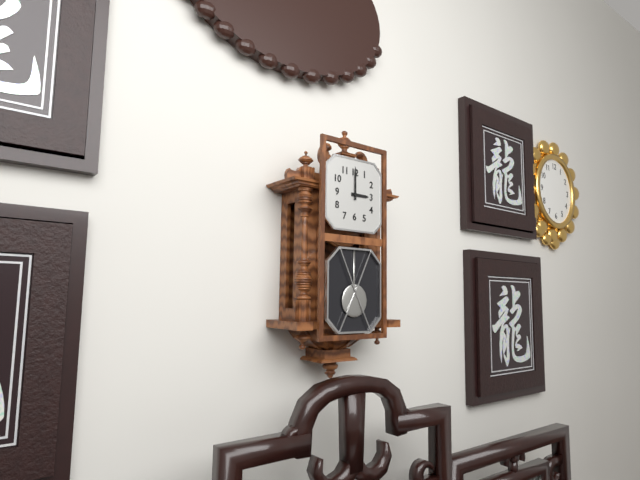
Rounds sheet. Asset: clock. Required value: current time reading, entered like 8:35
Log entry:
3:00
